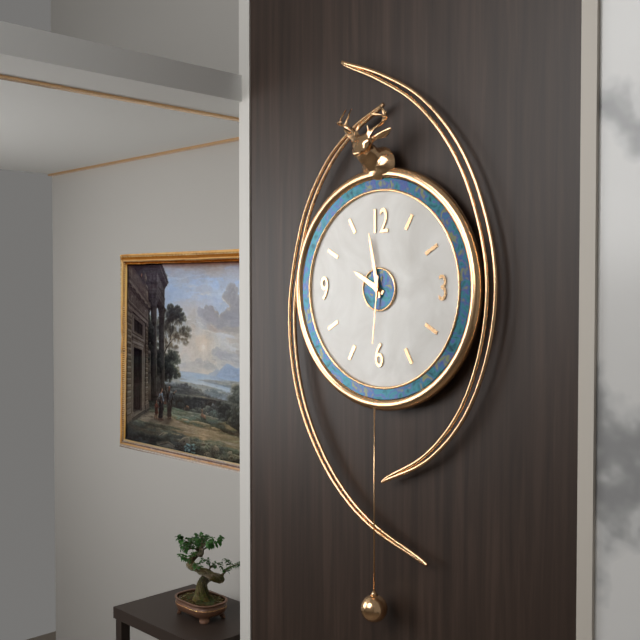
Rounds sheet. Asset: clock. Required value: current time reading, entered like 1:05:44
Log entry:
9:58:31
